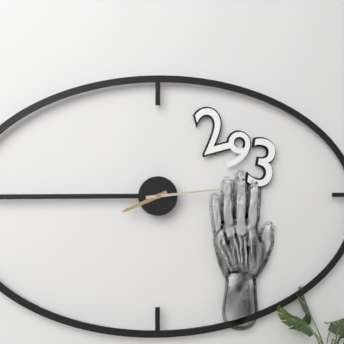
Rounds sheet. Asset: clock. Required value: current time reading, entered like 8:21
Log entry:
8:14
